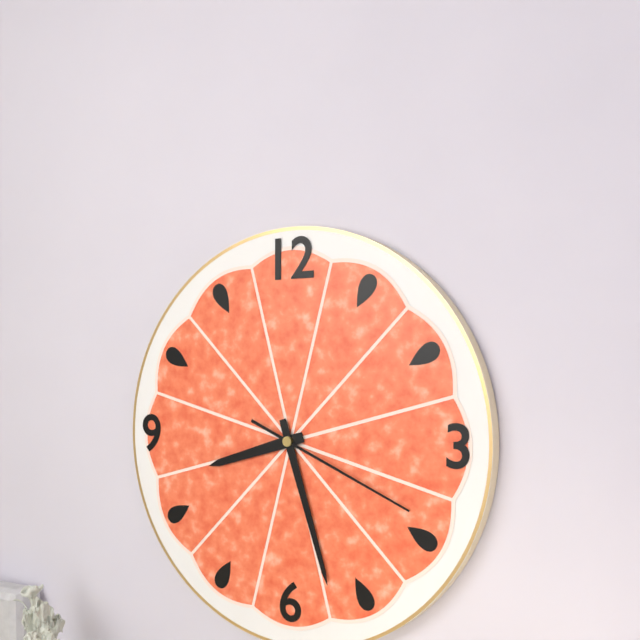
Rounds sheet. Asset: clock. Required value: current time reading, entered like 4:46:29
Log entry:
8:27:19
